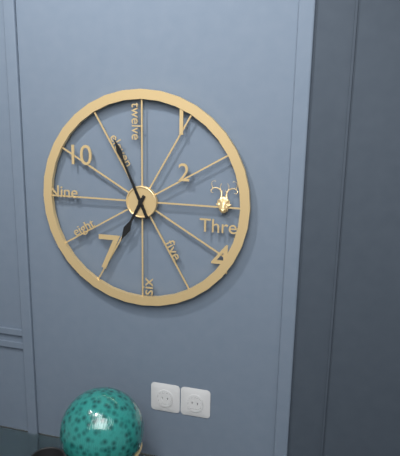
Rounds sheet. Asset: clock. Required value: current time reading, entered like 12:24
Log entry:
6:56
